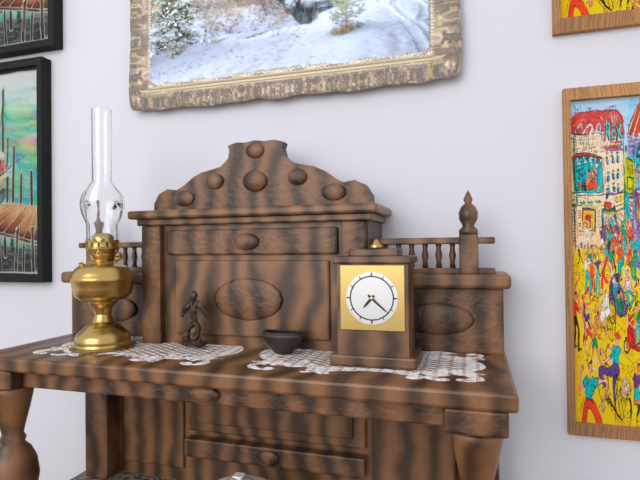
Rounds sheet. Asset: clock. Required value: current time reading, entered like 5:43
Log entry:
7:22
